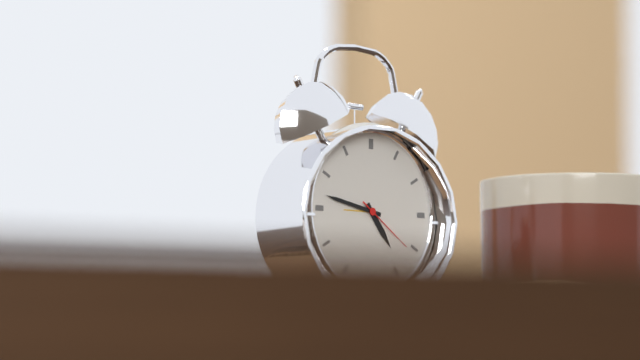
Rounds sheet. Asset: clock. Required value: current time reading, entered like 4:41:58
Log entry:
4:47:21
